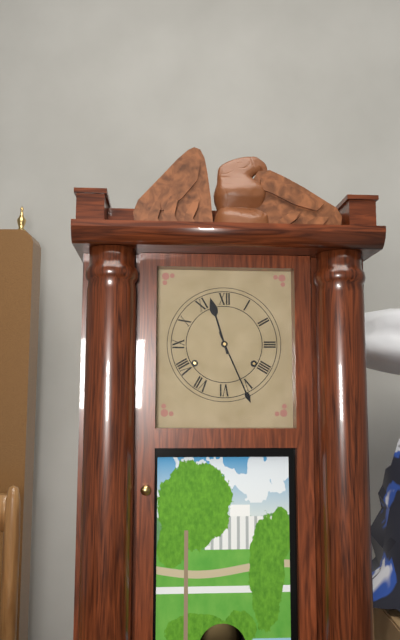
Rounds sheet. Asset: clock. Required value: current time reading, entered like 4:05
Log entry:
11:26
